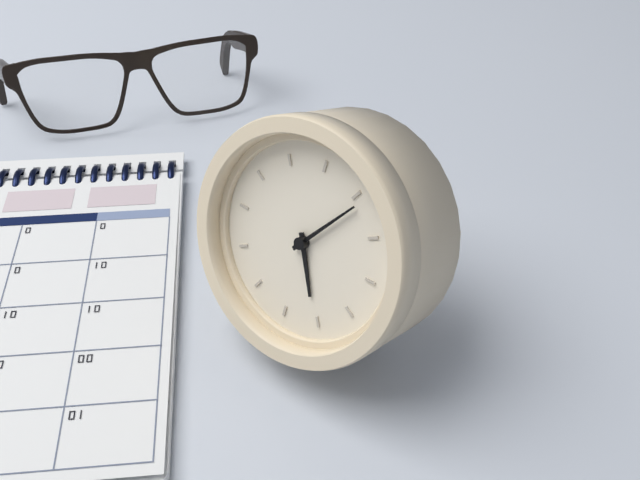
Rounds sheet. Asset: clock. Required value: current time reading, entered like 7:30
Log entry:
5:06
